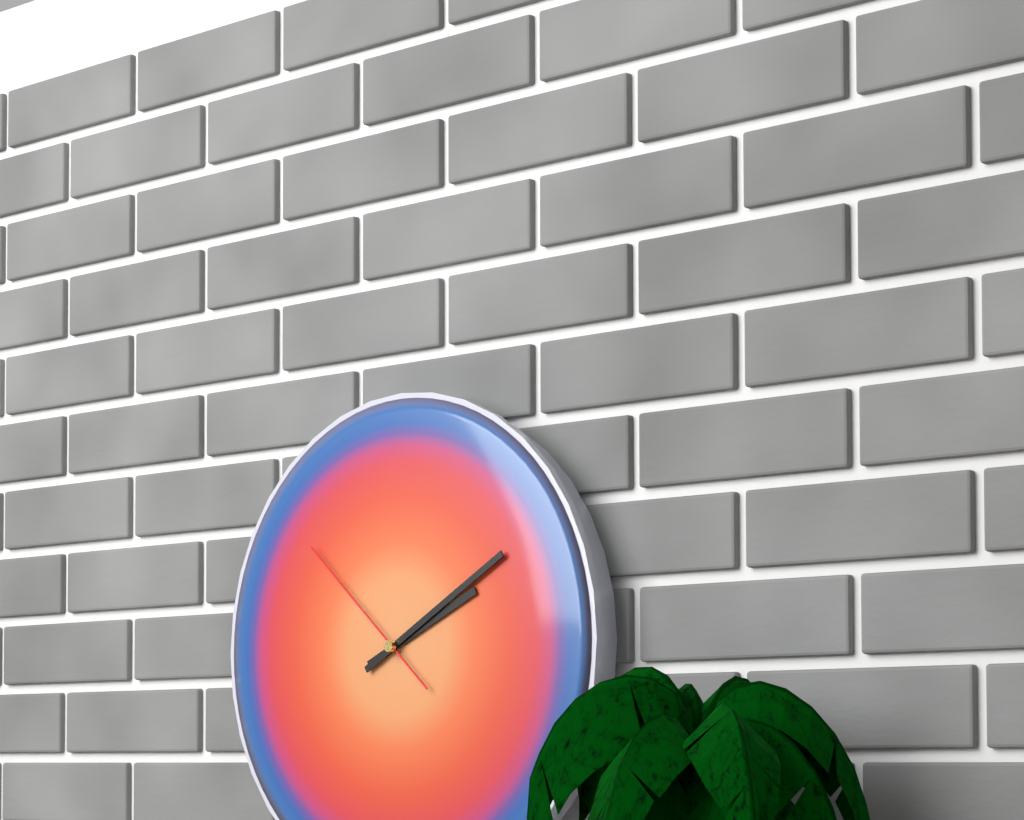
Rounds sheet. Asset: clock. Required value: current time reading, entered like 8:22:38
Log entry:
2:10:52
